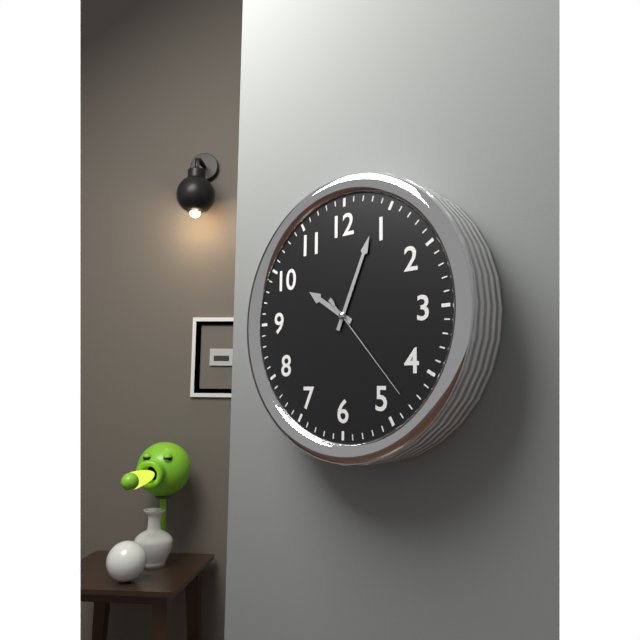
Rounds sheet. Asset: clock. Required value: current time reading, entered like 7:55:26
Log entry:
10:04:23
